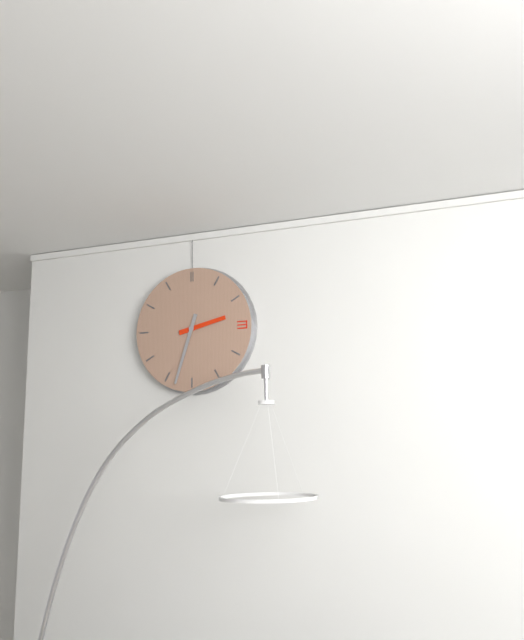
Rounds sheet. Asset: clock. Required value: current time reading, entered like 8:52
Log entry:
2:33
